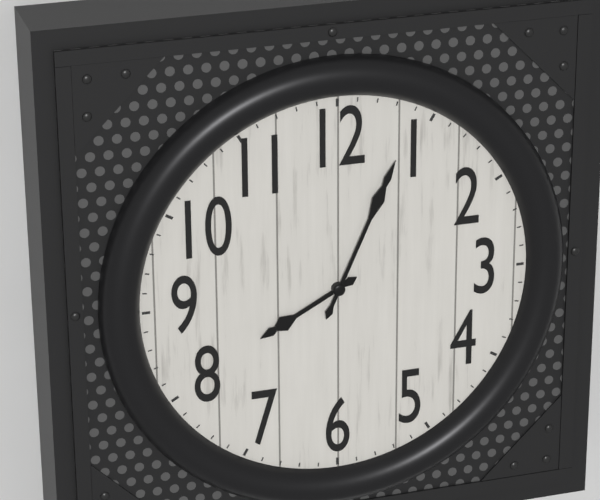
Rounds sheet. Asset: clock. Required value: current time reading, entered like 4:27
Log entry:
8:04
